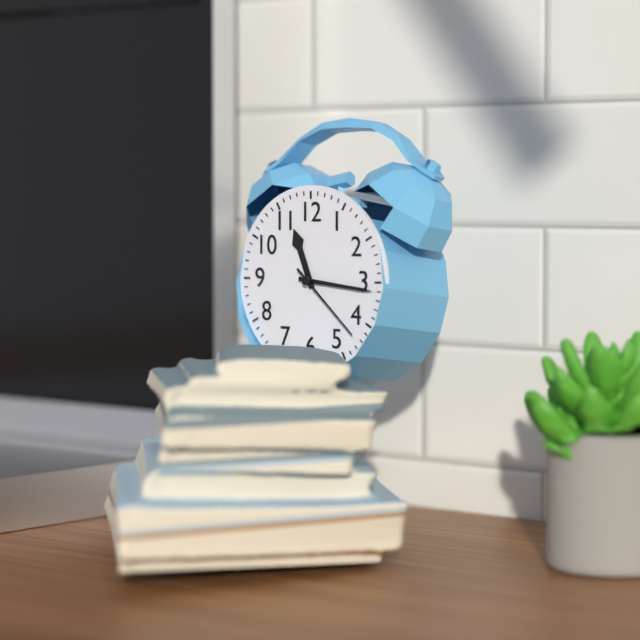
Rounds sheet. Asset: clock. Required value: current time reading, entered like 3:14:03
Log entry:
11:16:22
